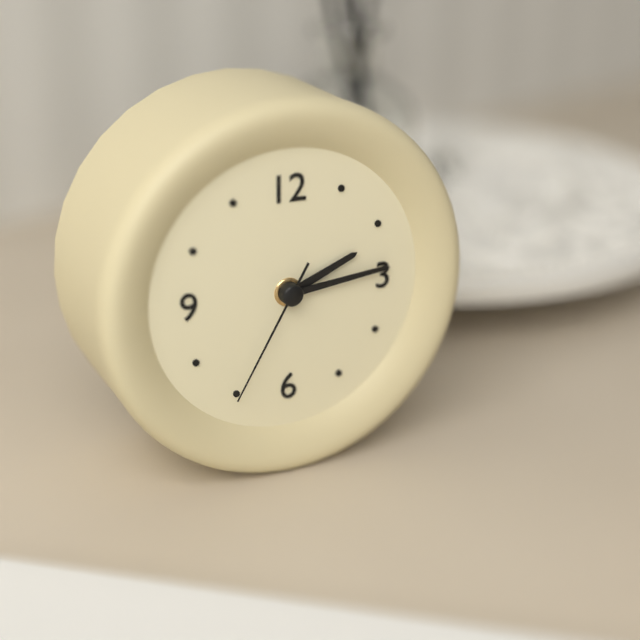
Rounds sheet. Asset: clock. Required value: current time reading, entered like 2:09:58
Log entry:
2:14:35
